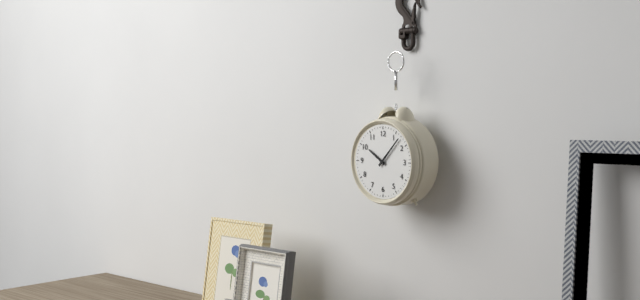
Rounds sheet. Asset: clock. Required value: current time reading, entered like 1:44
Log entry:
10:07
